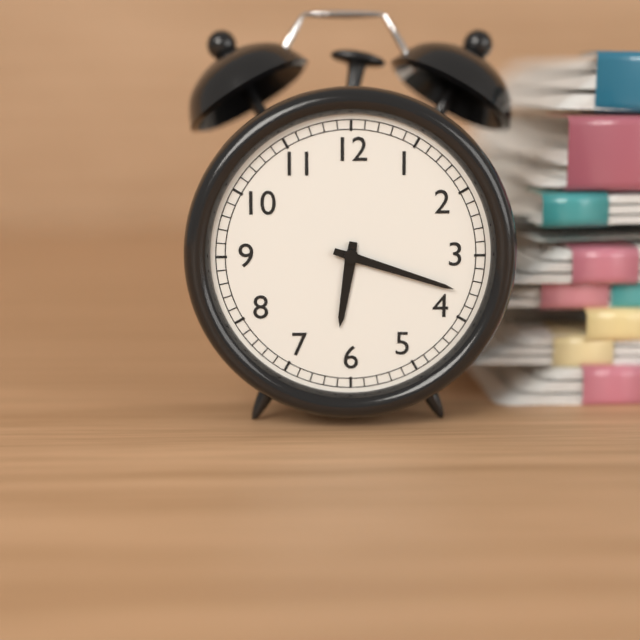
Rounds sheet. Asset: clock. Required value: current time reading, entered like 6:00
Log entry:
6:18
